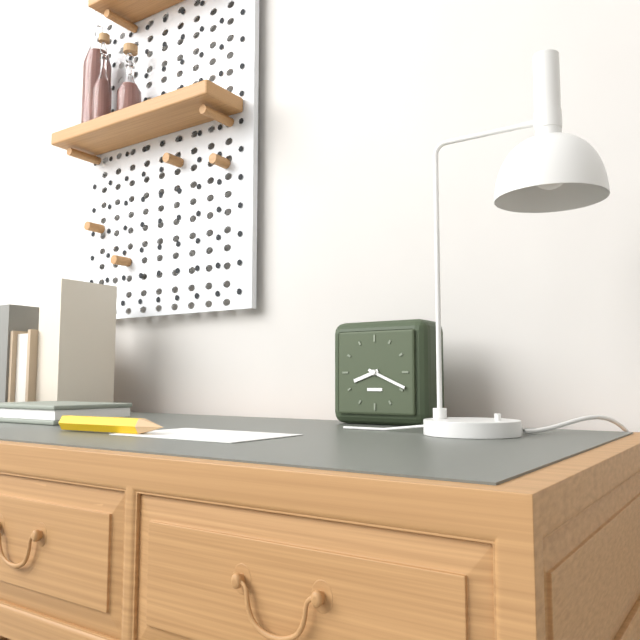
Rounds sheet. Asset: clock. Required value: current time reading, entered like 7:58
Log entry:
8:19
